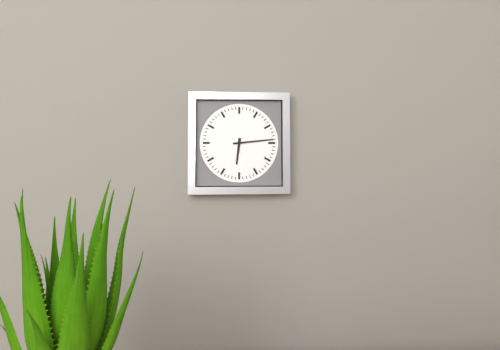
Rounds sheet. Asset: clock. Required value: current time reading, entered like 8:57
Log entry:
6:14
